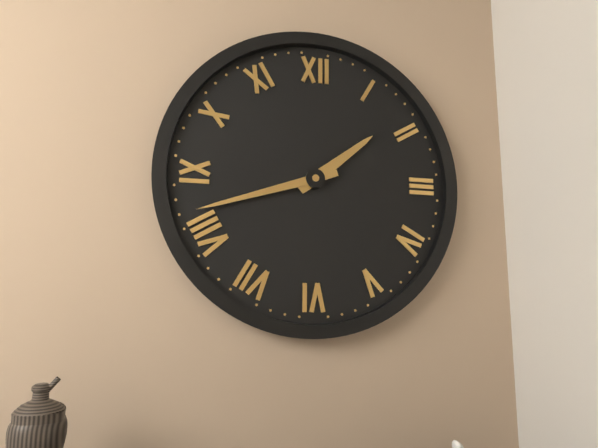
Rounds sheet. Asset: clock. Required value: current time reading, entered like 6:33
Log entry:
1:42
